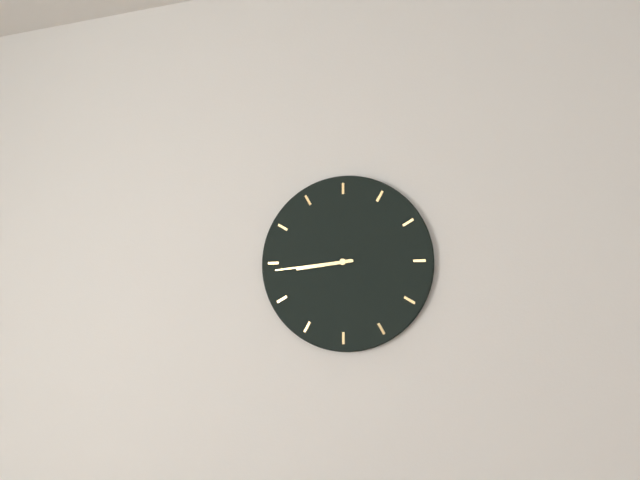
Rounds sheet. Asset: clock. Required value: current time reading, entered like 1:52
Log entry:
8:44
